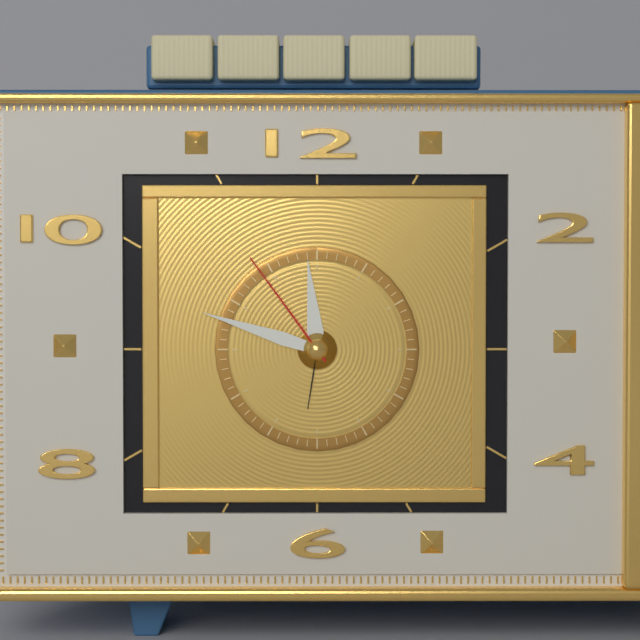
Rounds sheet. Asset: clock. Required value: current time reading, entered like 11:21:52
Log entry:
11:48:54
